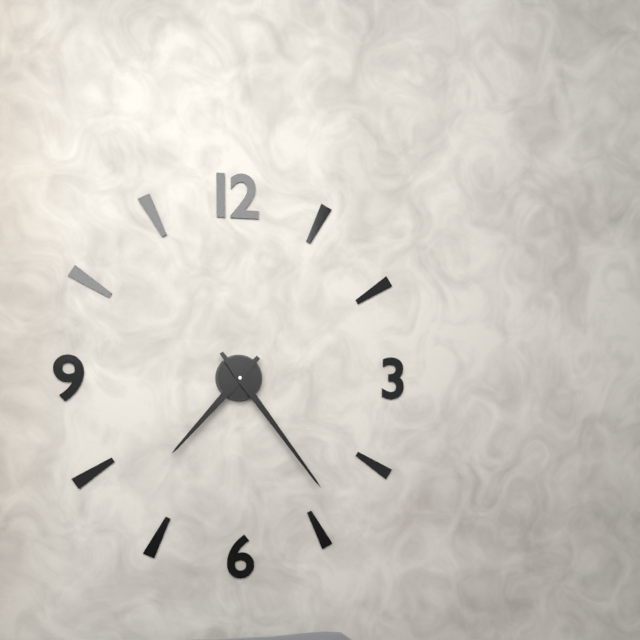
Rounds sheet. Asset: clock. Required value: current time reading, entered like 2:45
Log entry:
7:24
